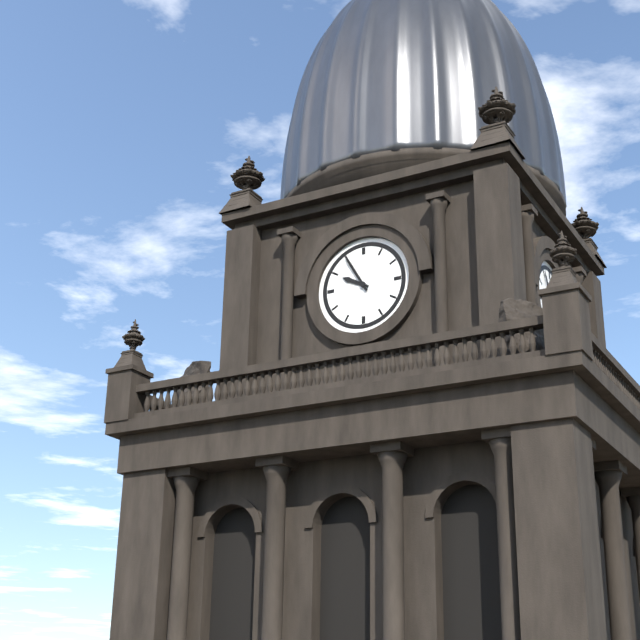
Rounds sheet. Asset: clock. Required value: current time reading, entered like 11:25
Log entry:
9:55
